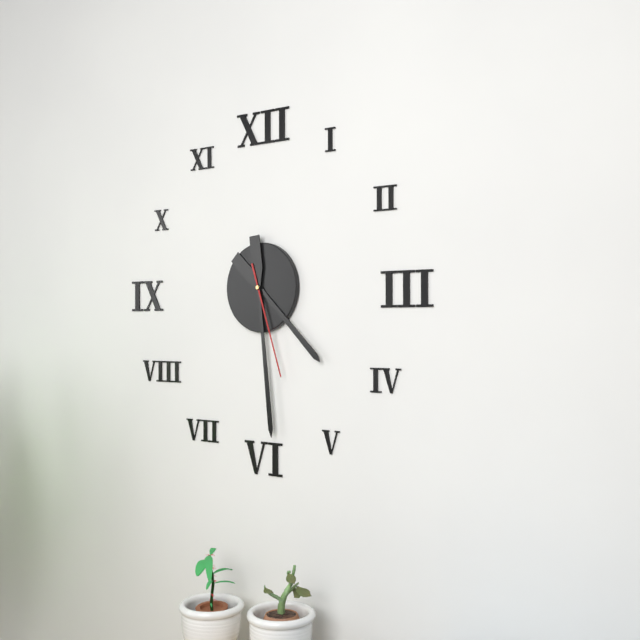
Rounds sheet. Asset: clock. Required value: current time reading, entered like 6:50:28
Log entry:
4:29:27
